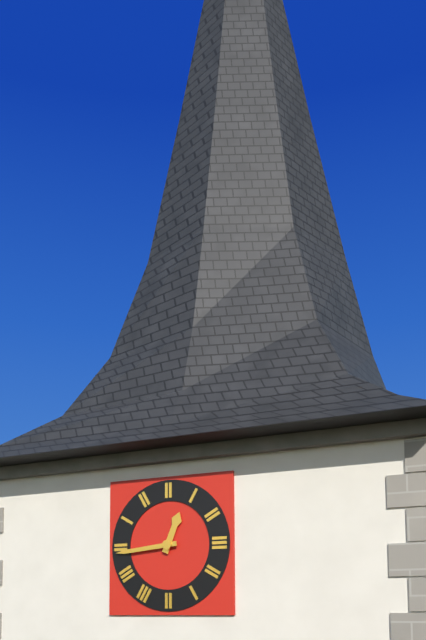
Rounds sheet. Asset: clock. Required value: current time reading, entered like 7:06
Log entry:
12:44
